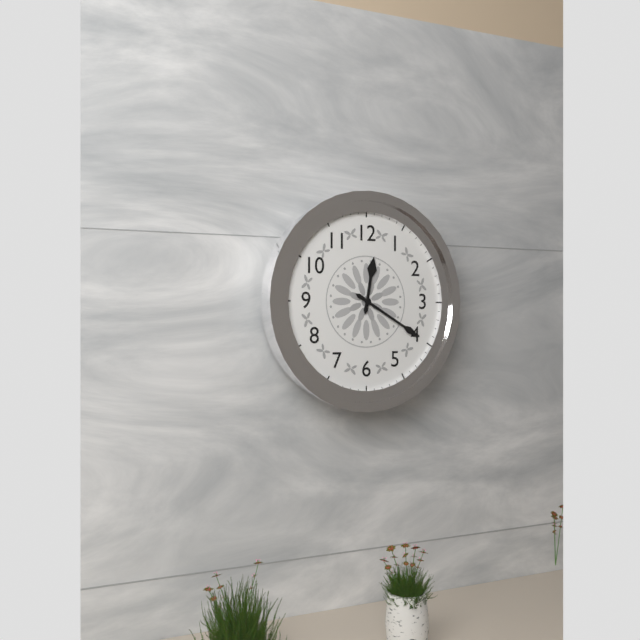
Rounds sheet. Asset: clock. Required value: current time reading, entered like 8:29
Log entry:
12:20
